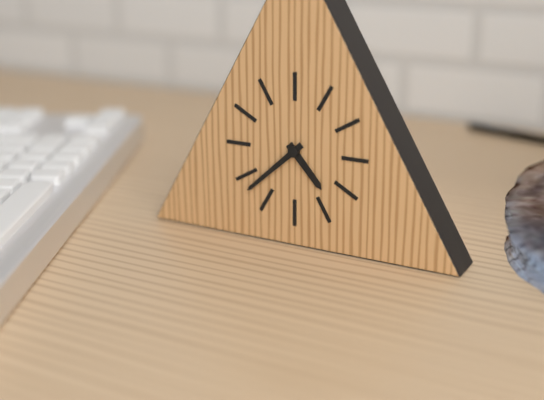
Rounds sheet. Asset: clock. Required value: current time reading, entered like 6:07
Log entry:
4:38
